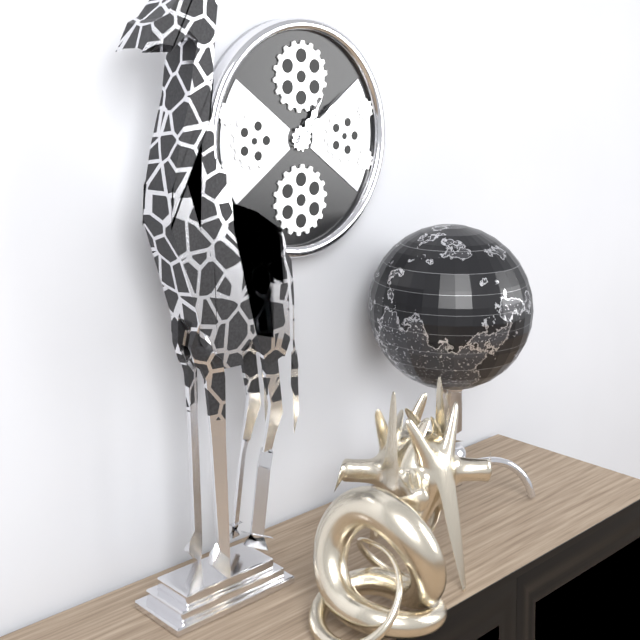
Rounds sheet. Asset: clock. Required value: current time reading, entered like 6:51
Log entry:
1:09
